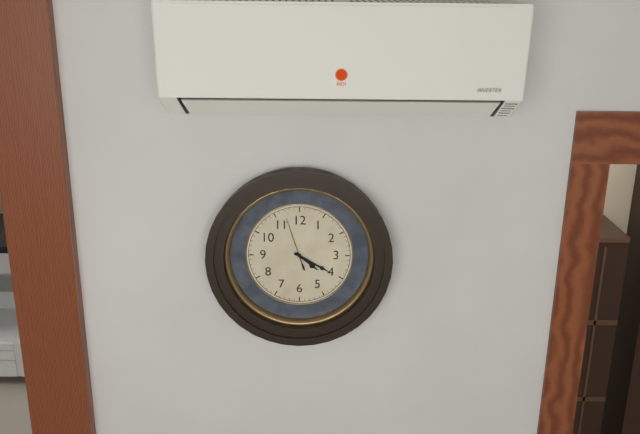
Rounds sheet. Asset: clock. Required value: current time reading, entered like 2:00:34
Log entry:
4:20:57
